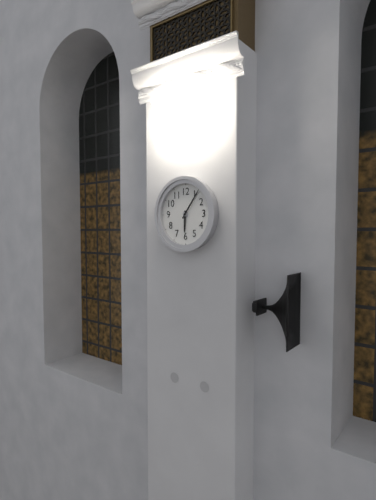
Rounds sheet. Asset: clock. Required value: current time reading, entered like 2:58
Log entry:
6:06
